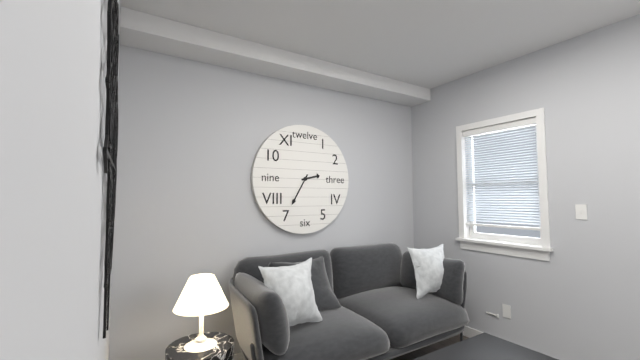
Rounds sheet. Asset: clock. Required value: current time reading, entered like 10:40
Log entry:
2:35
